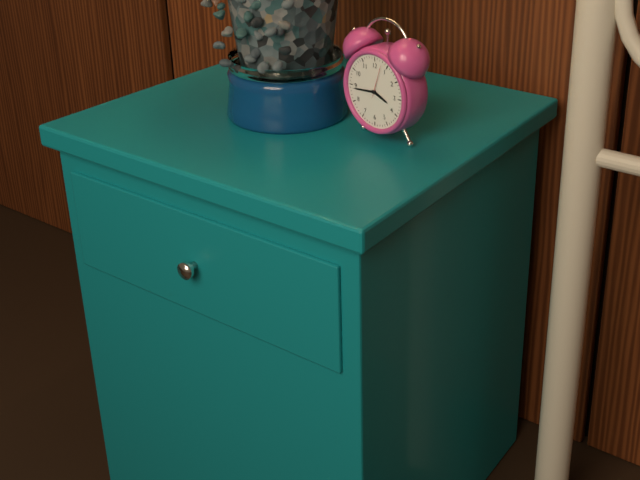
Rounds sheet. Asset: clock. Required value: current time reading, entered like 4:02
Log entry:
3:44
